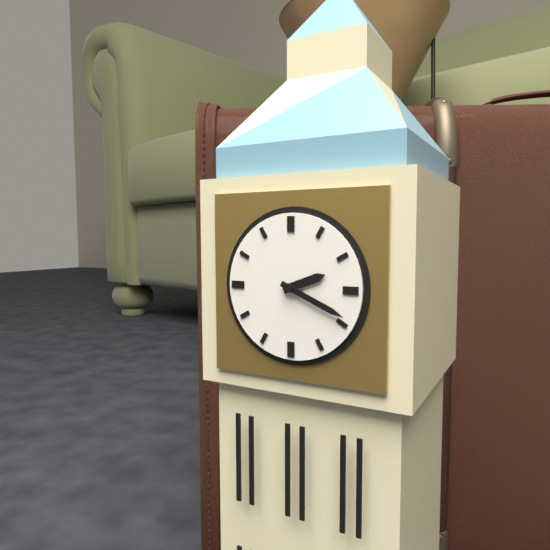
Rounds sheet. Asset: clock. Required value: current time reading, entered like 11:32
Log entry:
2:19
